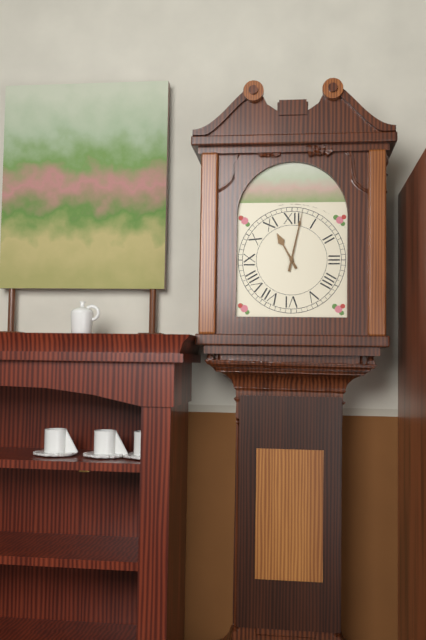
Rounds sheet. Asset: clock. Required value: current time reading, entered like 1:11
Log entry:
11:02
